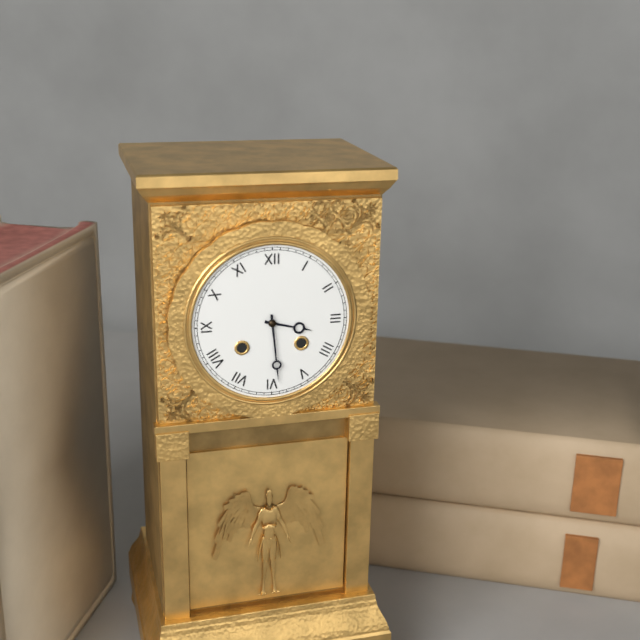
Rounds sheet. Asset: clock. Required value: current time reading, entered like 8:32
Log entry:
3:29
